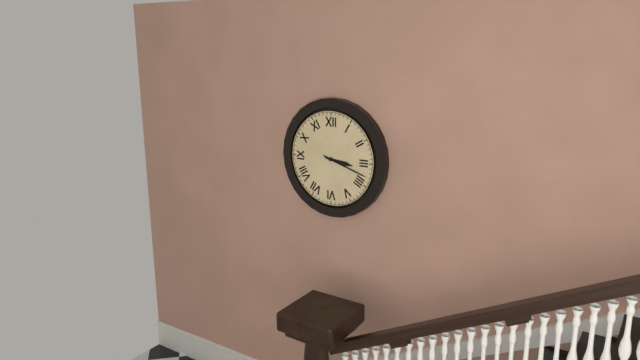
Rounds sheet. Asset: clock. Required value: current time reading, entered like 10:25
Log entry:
3:18
